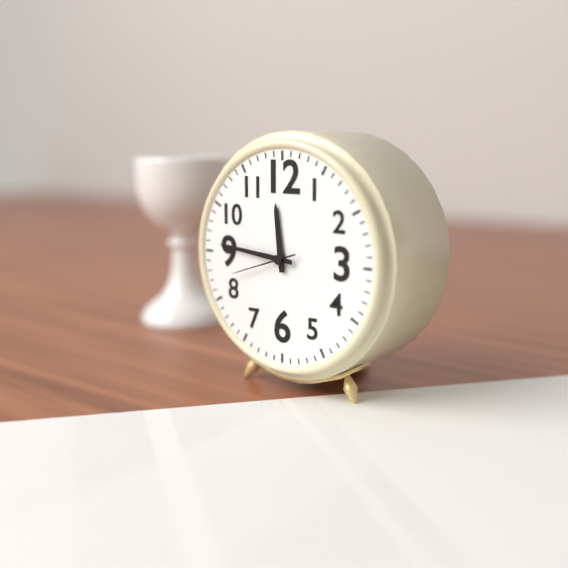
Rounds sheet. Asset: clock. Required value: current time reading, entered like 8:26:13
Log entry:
11:46:42
